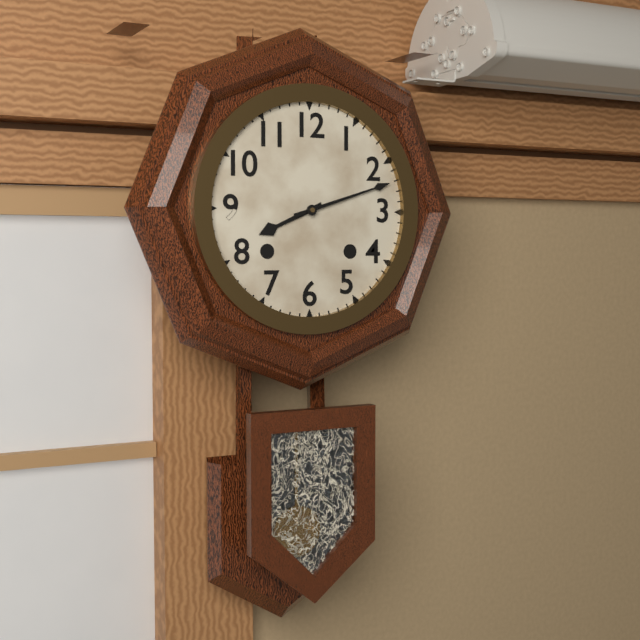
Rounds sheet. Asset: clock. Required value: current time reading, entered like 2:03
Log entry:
8:12
